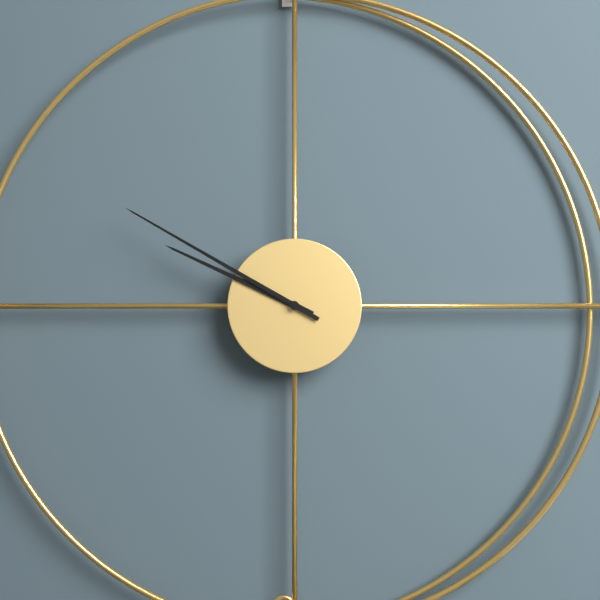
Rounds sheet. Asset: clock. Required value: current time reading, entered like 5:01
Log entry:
9:50
